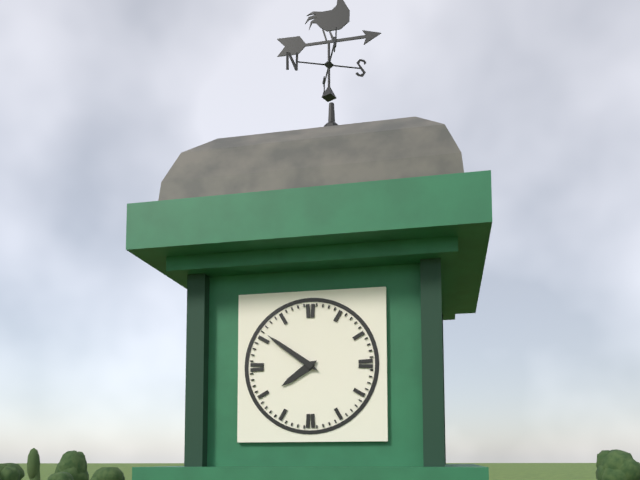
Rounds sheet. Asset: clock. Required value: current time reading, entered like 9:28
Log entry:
7:51
